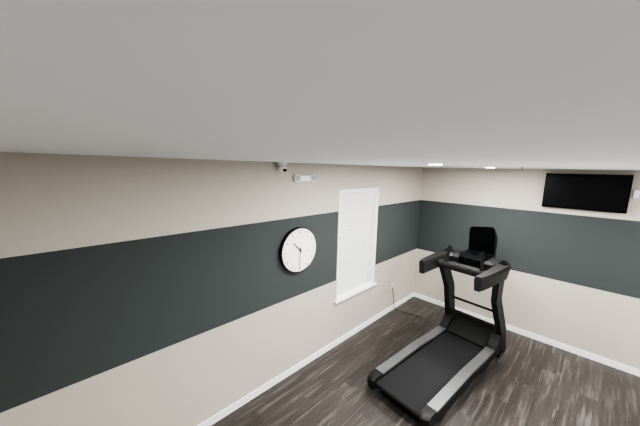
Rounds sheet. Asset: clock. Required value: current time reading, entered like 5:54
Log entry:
10:31
